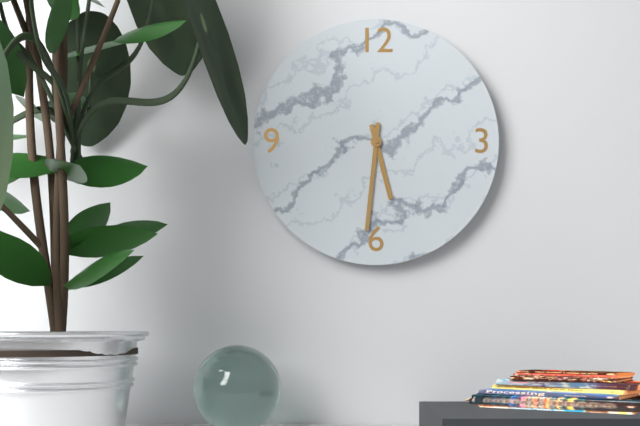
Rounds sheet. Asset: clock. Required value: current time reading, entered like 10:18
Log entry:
5:31
